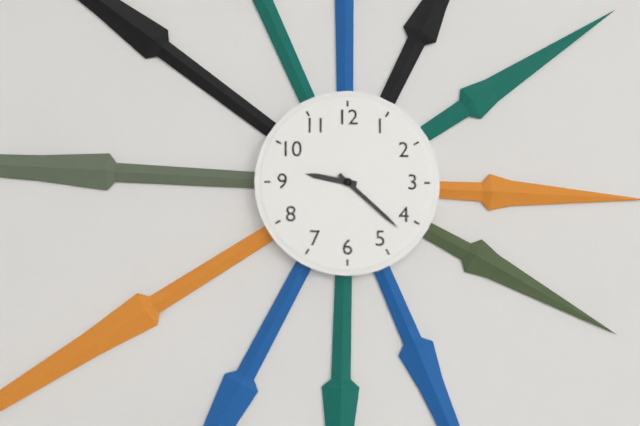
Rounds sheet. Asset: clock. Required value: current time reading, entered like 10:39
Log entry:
9:22
